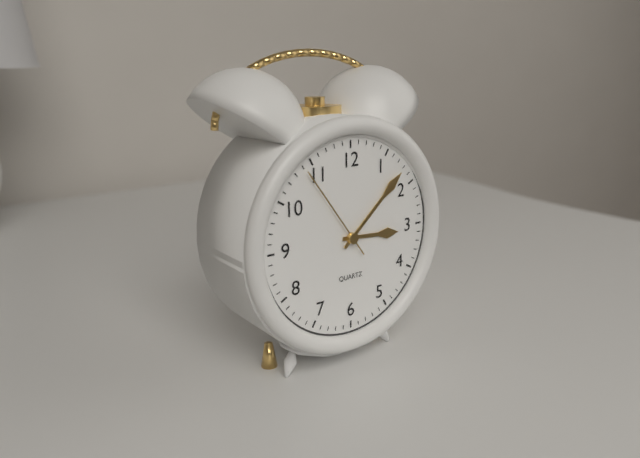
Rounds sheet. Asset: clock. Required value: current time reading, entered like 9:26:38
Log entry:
3:08:54
